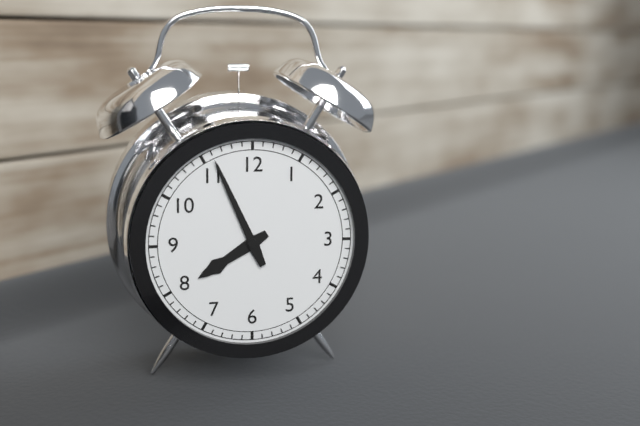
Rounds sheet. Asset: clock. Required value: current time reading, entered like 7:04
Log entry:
7:56
